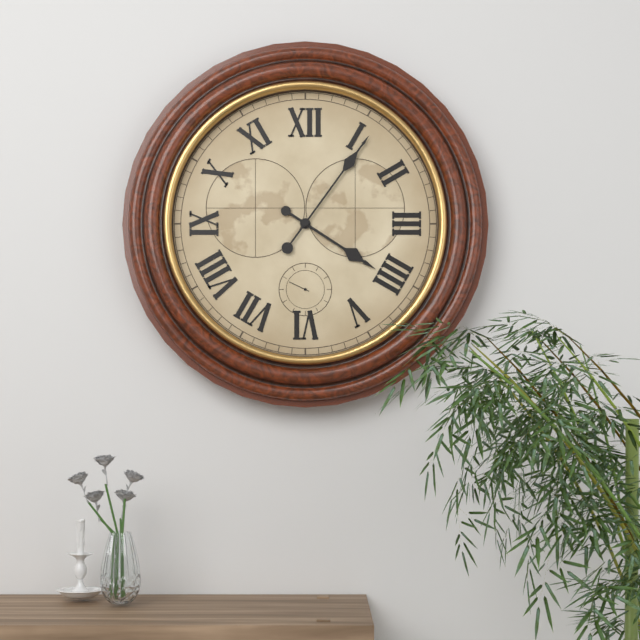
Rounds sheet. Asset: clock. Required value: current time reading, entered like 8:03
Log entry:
4:06
